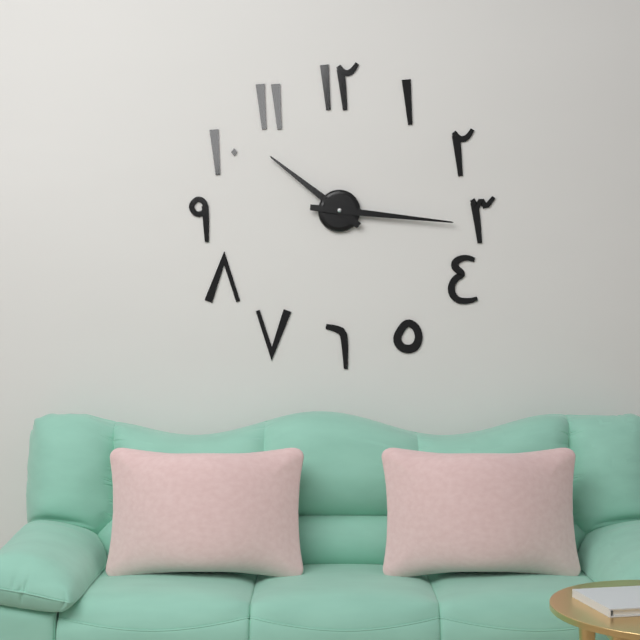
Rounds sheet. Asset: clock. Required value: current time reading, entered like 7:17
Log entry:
10:16
